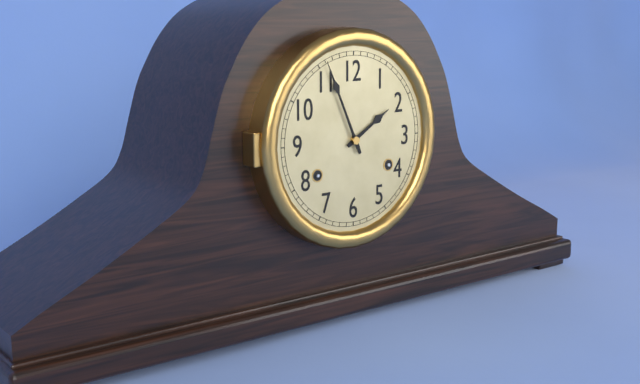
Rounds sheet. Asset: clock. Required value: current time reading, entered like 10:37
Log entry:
1:56
